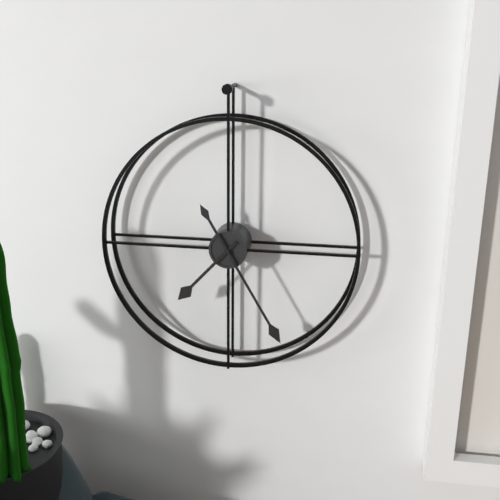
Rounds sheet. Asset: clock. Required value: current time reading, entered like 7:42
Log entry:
7:25
